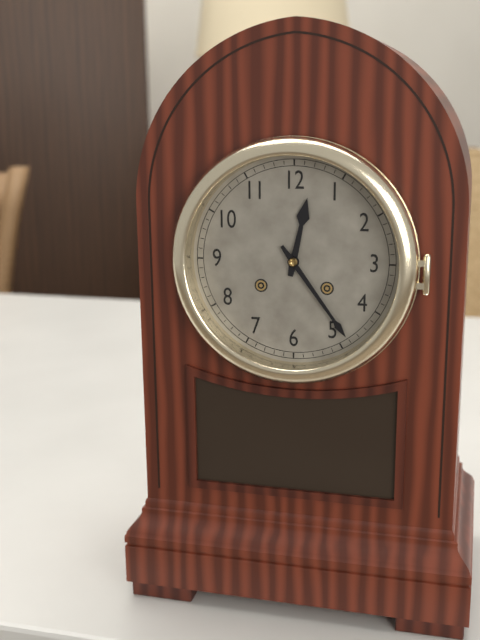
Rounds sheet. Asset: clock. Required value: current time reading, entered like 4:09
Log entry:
12:24
